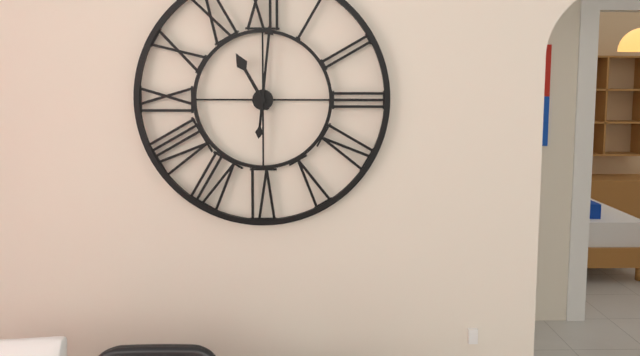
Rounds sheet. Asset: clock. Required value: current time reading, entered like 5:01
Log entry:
11:01
